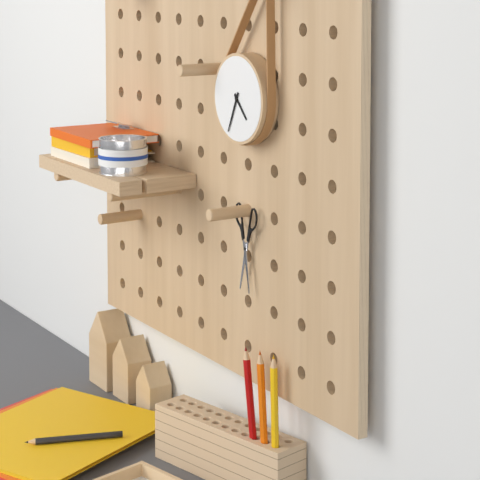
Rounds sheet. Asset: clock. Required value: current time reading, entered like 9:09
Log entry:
4:34
